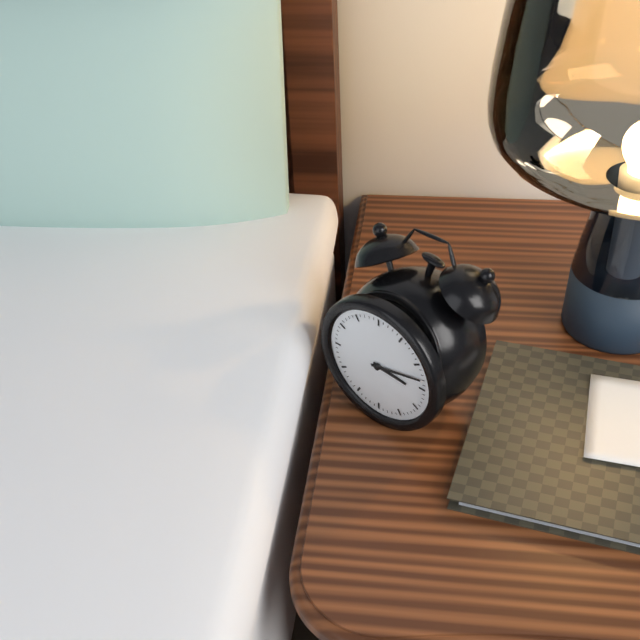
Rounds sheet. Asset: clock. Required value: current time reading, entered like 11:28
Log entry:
3:13
